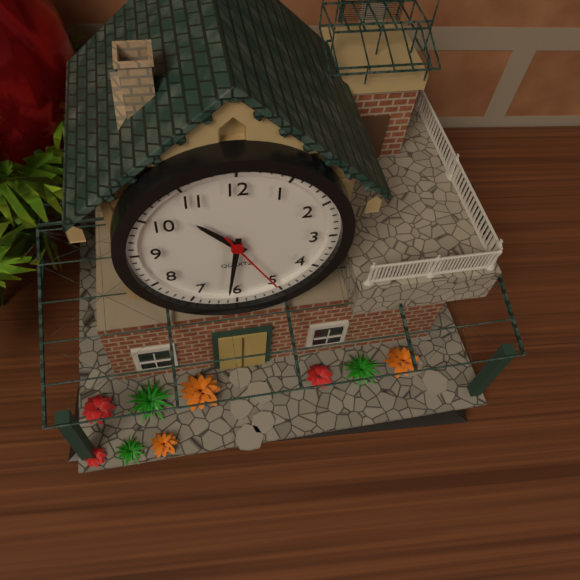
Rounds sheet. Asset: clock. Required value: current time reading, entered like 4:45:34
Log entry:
10:31:25
